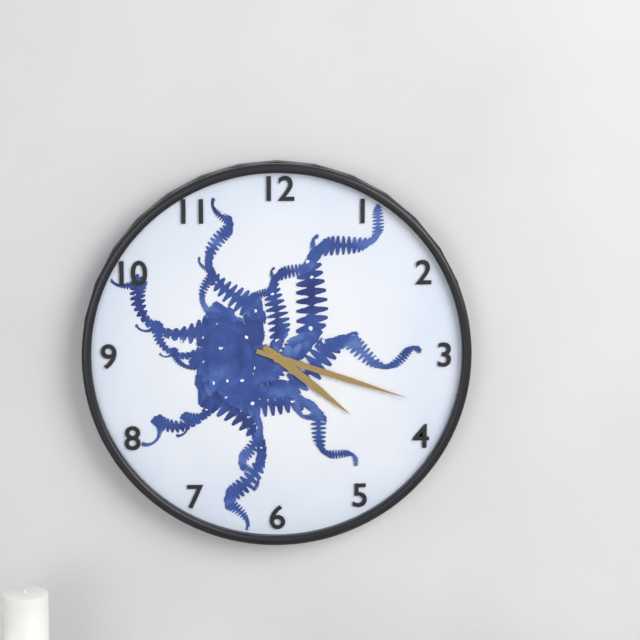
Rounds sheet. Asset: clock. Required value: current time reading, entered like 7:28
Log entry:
4:18
